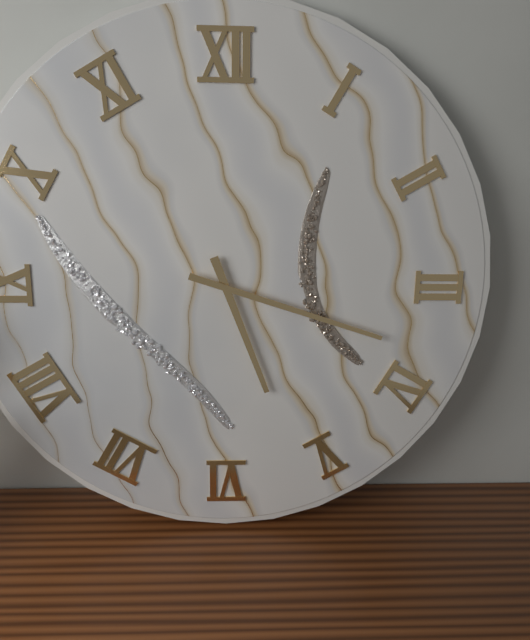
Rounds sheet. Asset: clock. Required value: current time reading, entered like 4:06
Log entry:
5:18
